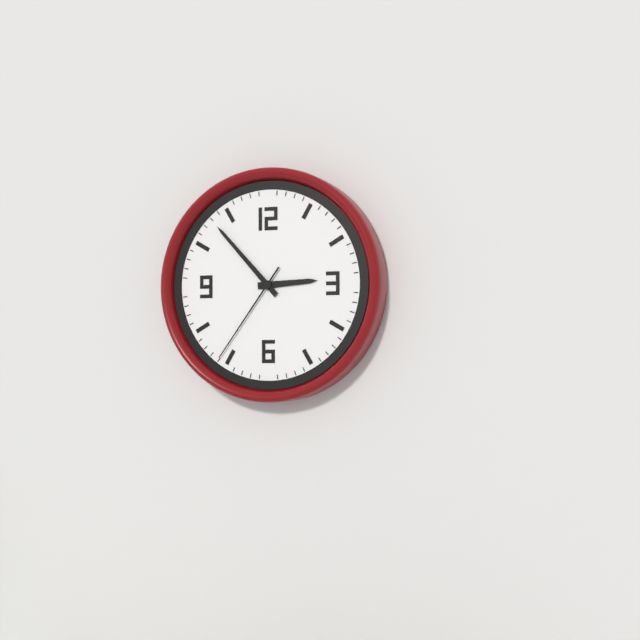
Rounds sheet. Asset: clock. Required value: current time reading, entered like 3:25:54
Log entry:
2:53:36
